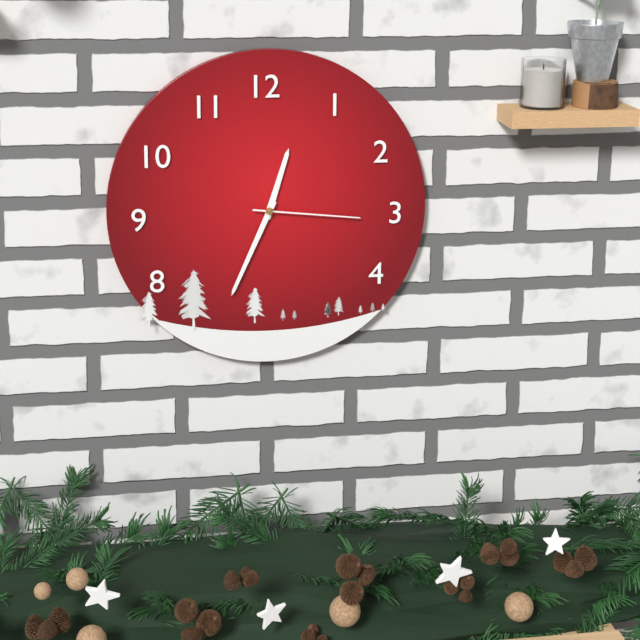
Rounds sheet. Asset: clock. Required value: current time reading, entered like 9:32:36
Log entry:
12:34:16
